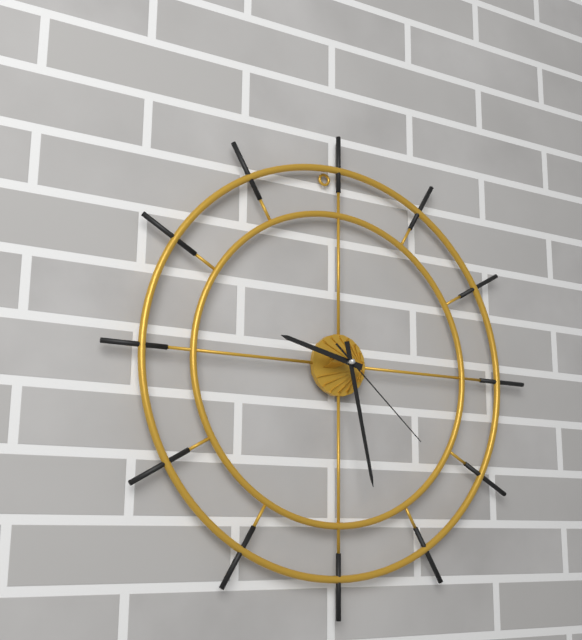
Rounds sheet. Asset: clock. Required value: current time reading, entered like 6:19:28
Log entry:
9:28:22
